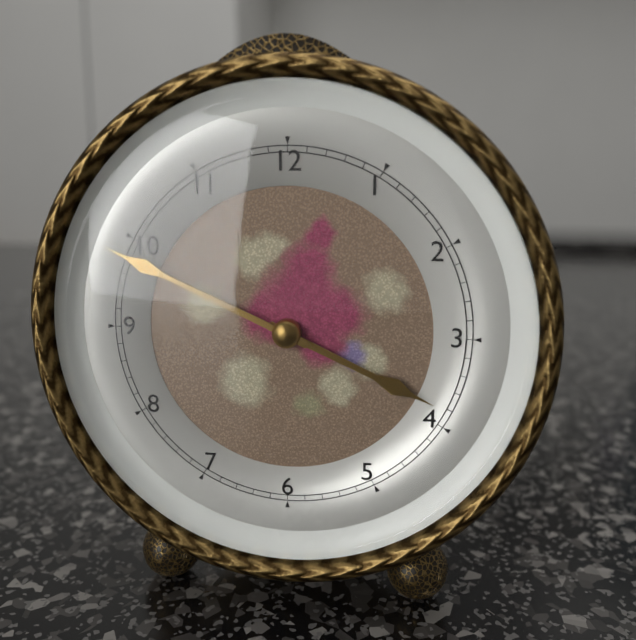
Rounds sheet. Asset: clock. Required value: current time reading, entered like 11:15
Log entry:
3:49
